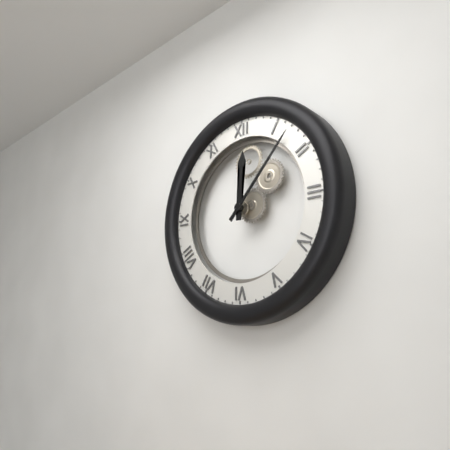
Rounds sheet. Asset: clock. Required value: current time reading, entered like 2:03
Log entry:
12:07
